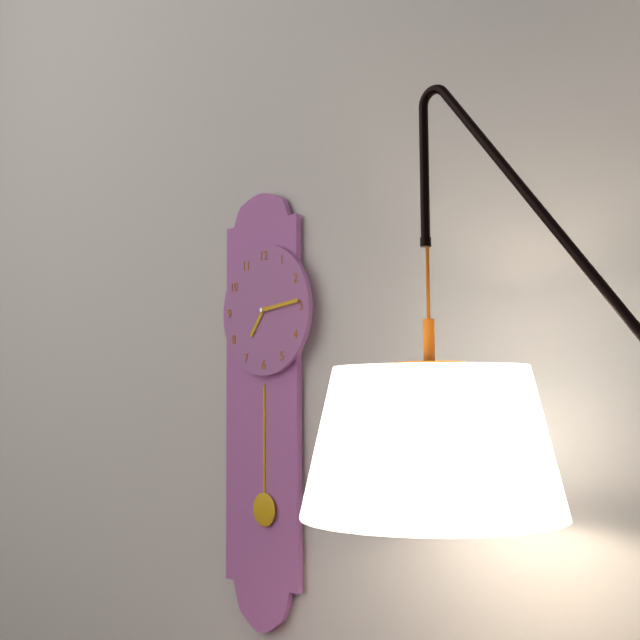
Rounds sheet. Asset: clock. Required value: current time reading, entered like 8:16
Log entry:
7:14
